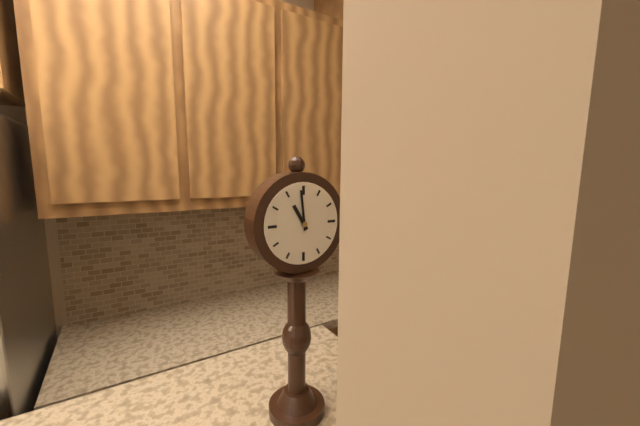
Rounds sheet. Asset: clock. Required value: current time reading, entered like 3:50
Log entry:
10:59
